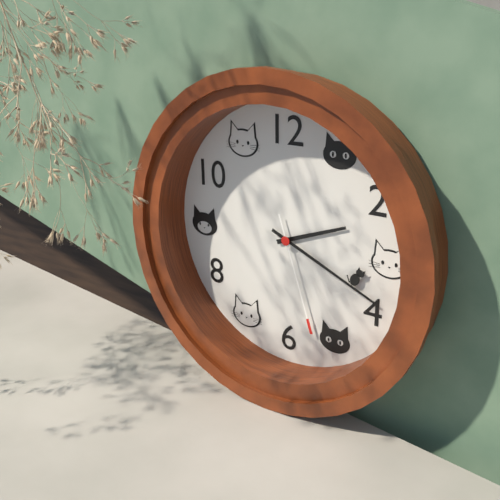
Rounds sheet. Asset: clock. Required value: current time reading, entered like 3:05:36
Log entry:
2:19:27
